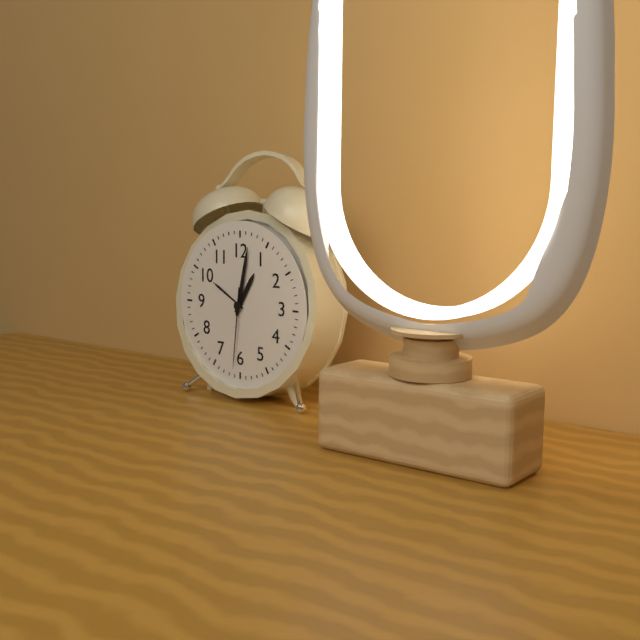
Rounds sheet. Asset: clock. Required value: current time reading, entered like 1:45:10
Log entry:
1:02:31
